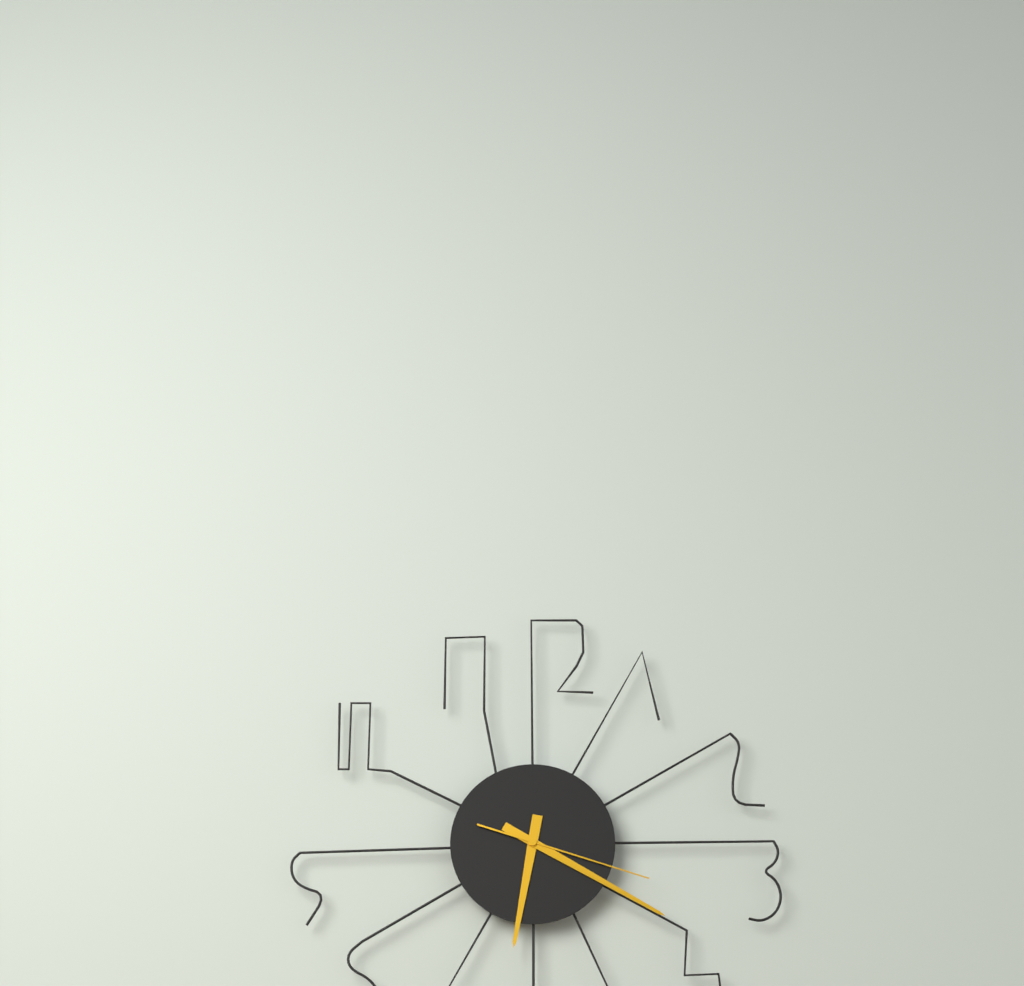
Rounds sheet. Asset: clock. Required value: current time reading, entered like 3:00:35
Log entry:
6:20:18
